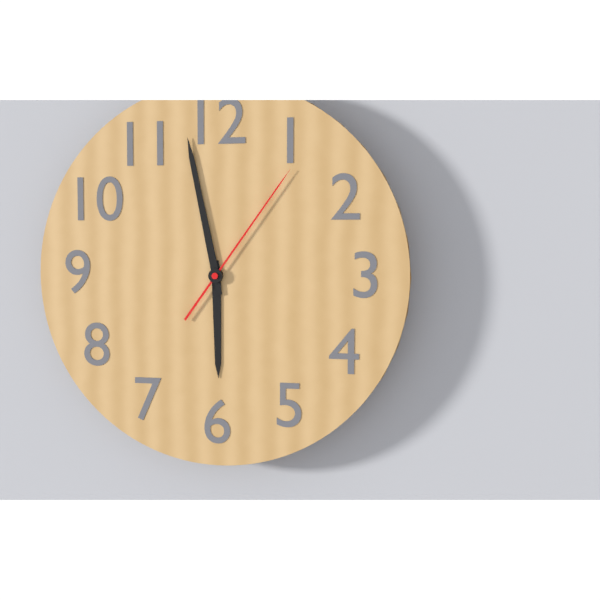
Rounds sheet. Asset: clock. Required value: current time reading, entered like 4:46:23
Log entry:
5:58:06
